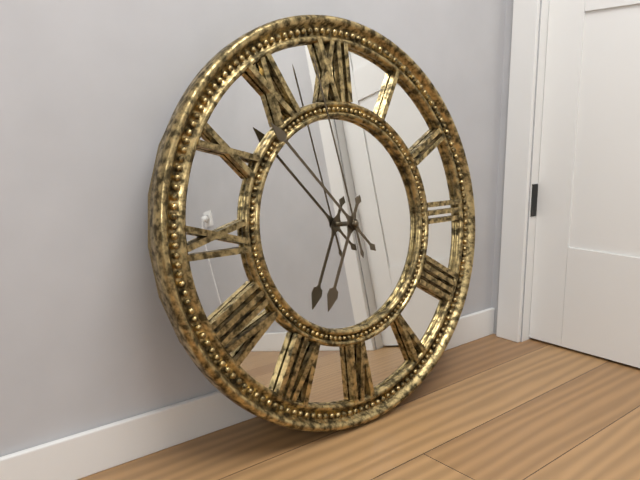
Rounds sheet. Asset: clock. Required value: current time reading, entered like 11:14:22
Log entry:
6:53:58
